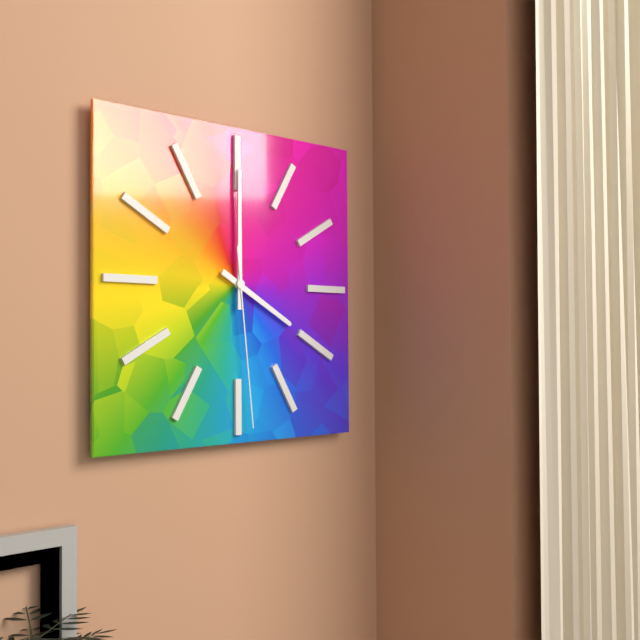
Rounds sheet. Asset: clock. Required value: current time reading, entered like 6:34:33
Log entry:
4:00:29
